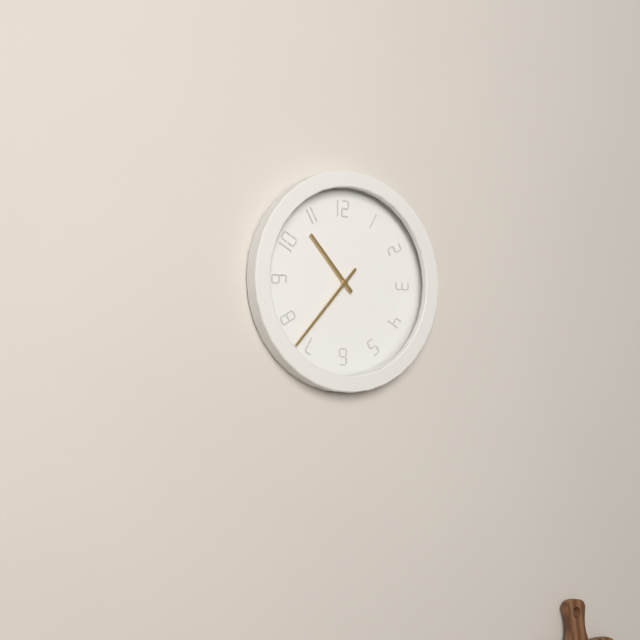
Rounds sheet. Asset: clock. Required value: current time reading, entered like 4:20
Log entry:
10:37
